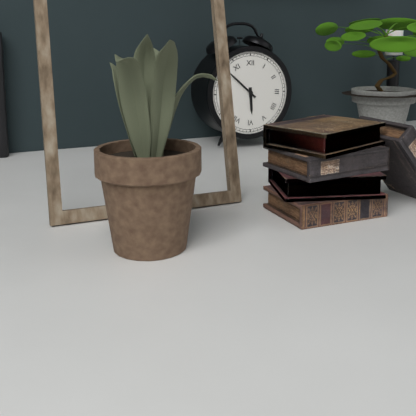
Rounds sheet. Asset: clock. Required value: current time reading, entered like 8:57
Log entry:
5:52
